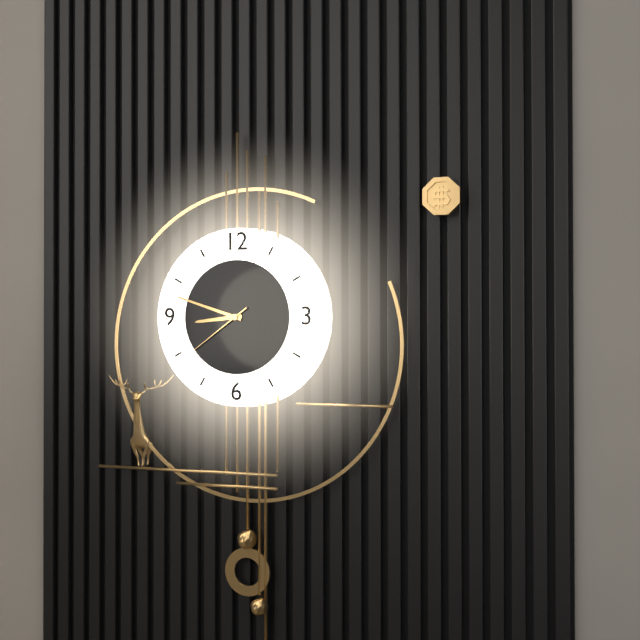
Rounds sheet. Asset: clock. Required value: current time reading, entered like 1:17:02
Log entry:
8:48:39
